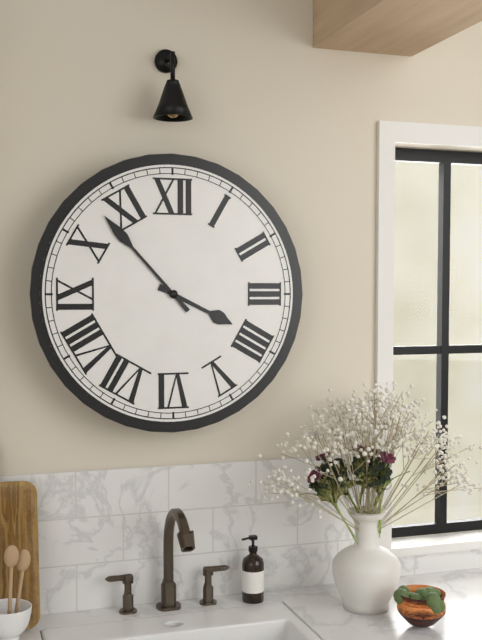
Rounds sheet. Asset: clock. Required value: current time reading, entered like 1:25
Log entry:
3:53
